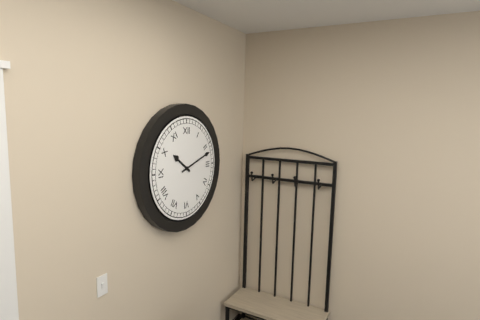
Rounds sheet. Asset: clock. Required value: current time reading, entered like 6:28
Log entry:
10:12
